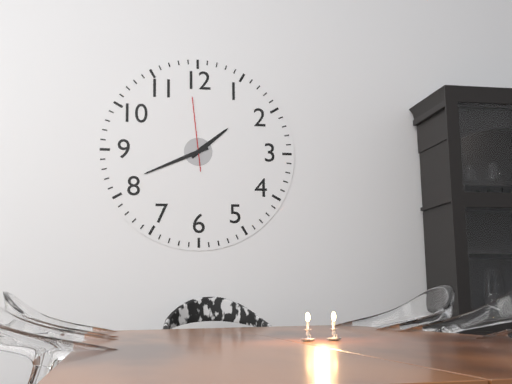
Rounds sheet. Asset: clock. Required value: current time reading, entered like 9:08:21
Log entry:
1:41:59
